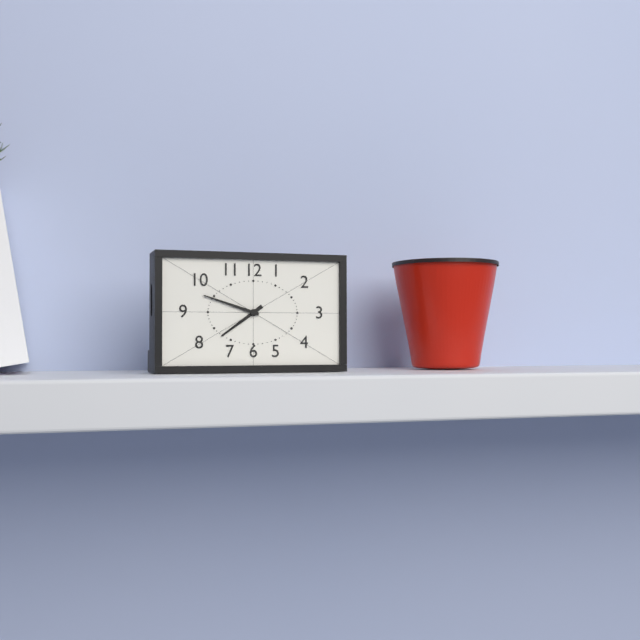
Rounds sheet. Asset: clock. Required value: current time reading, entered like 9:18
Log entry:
7:48
